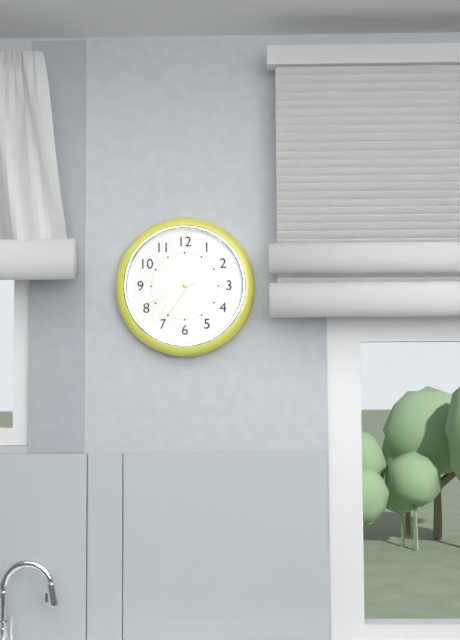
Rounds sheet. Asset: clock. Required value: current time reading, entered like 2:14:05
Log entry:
7:36:41
